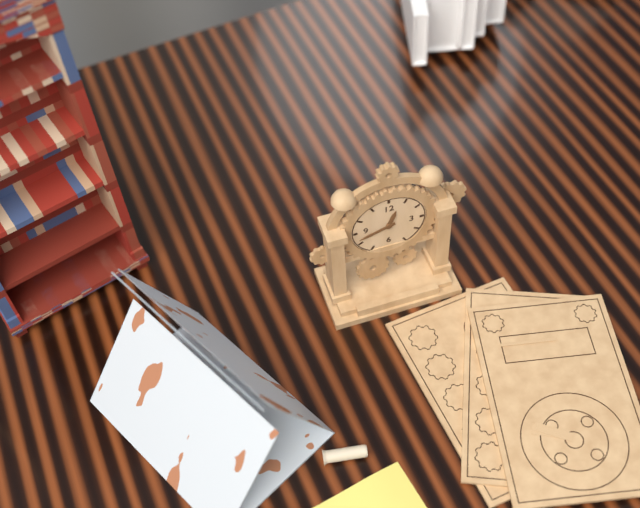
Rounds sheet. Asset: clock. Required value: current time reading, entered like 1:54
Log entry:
12:42
